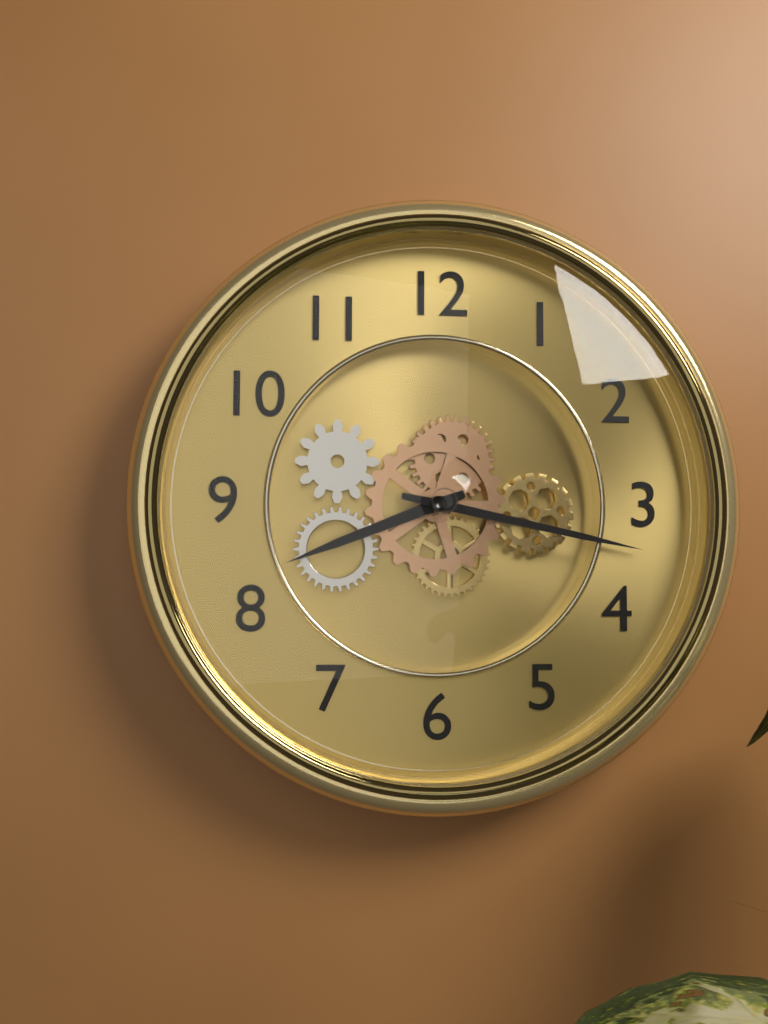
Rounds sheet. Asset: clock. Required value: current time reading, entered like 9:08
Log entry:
8:17
